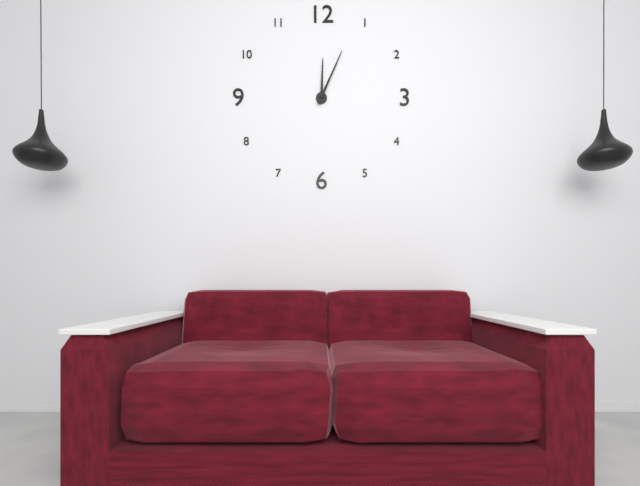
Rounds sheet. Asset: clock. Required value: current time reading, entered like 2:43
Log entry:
12:04
